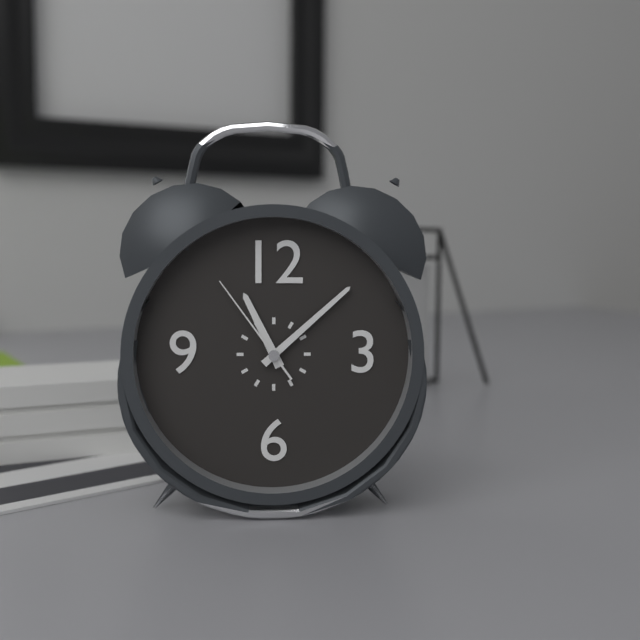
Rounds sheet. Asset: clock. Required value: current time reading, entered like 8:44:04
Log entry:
11:08:54
